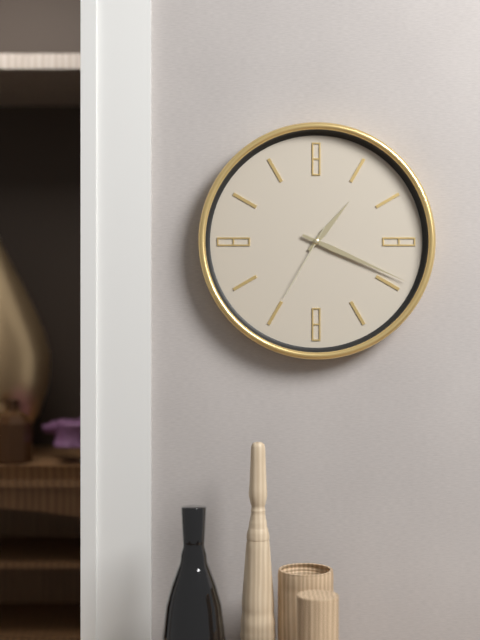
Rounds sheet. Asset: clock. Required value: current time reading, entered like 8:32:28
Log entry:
1:19:35
